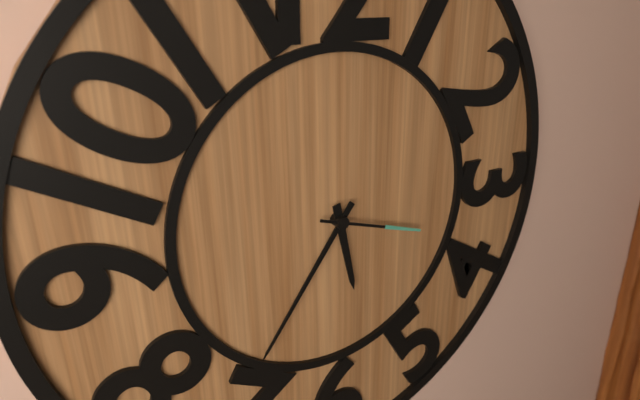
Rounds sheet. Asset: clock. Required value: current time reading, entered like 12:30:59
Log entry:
5:36:18
